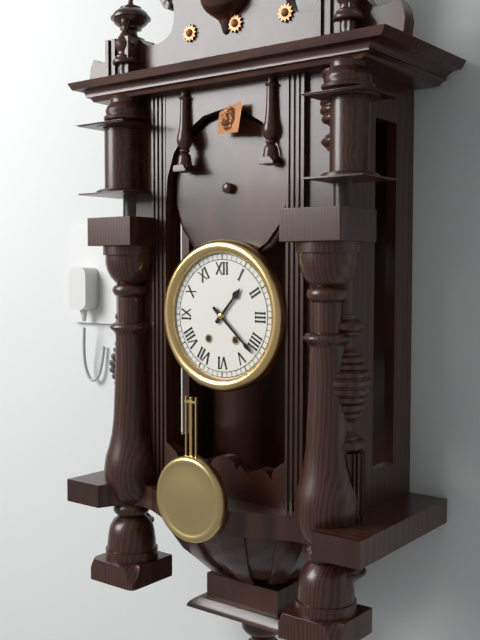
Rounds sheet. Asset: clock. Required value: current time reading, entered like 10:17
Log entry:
1:22
